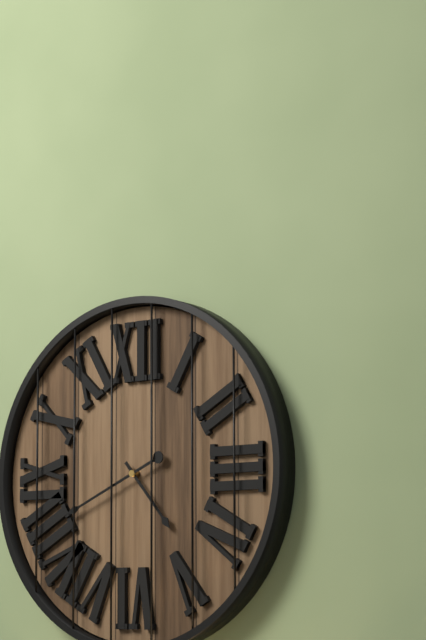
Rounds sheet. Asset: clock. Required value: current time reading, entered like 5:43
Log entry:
4:41
